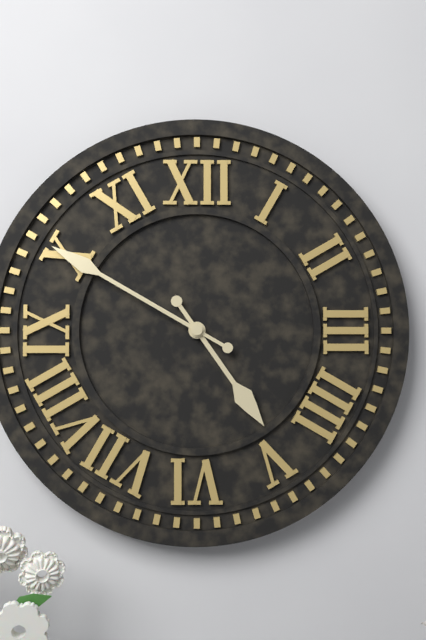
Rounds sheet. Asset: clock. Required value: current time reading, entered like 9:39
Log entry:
4:50
